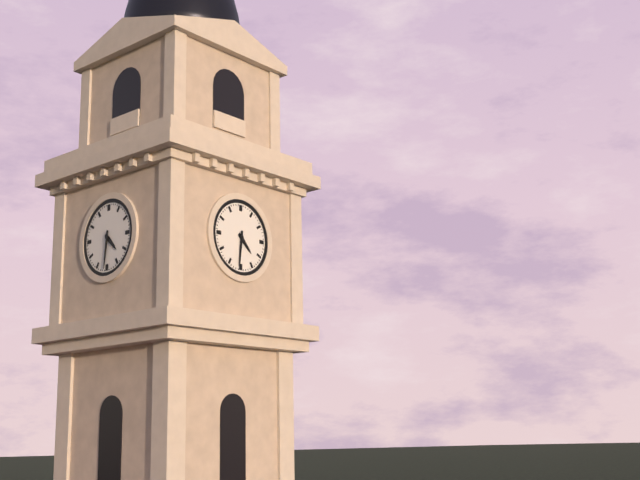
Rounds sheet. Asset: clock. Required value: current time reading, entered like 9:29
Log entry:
4:31
